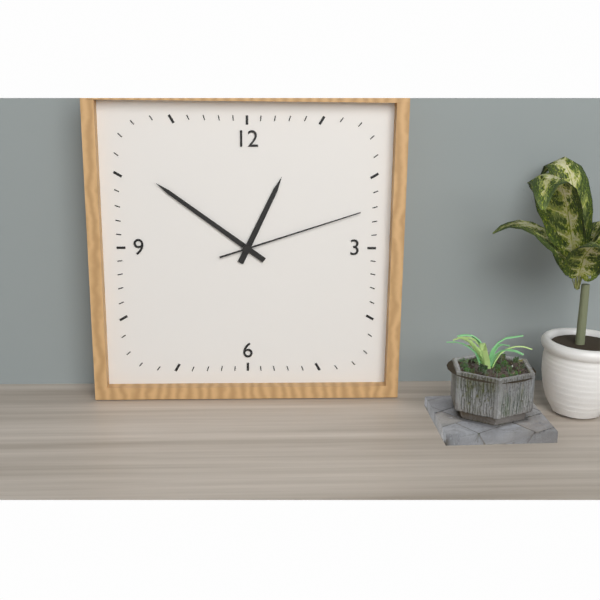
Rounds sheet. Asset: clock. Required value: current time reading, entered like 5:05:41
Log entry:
12:51:12
